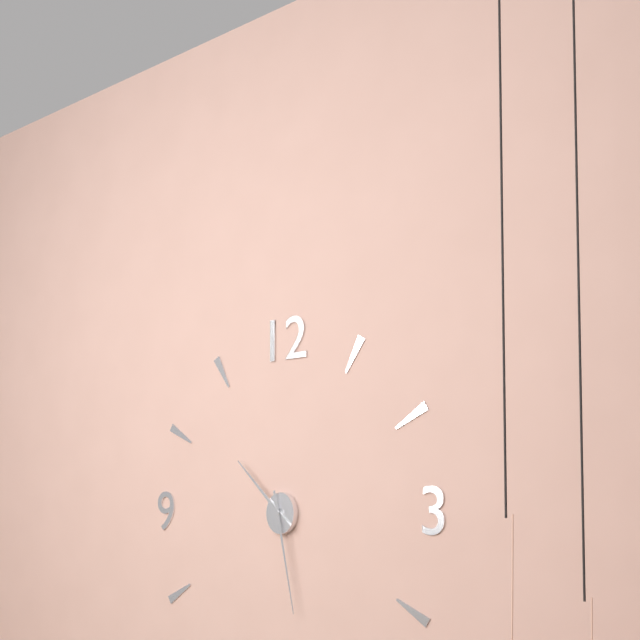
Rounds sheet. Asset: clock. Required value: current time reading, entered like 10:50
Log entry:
10:28
